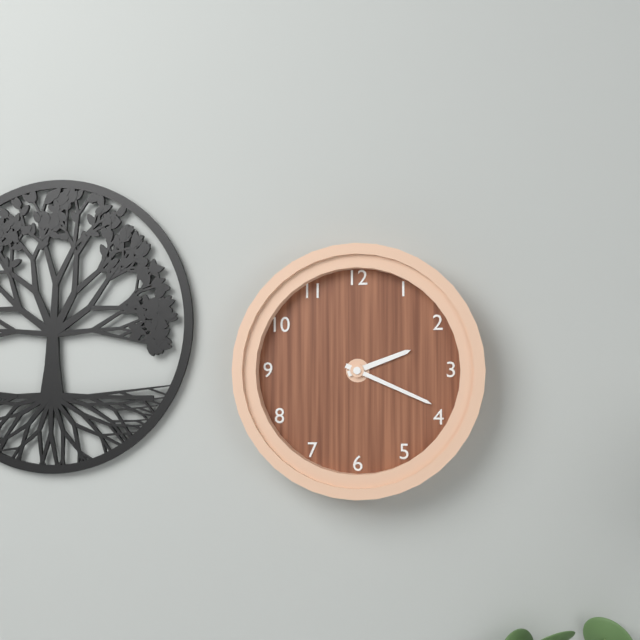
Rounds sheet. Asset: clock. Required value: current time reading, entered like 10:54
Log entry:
2:19
